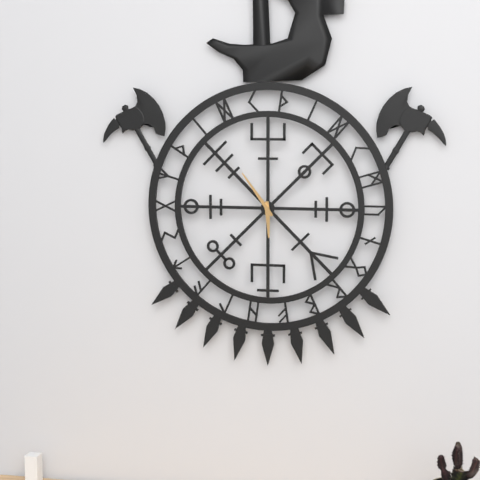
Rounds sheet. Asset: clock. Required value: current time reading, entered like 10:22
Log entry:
5:54
